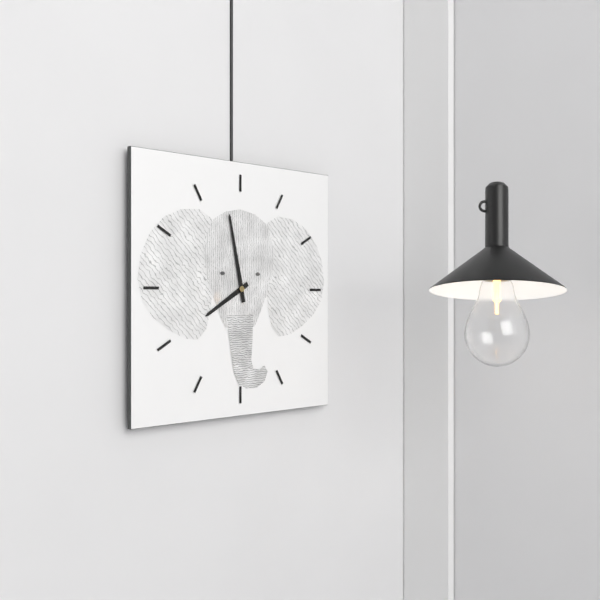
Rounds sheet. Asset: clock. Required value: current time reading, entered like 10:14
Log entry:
7:58
